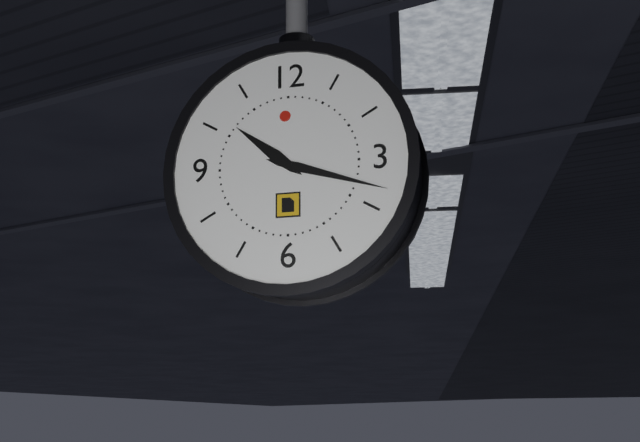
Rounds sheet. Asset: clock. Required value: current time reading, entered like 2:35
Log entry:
10:18
